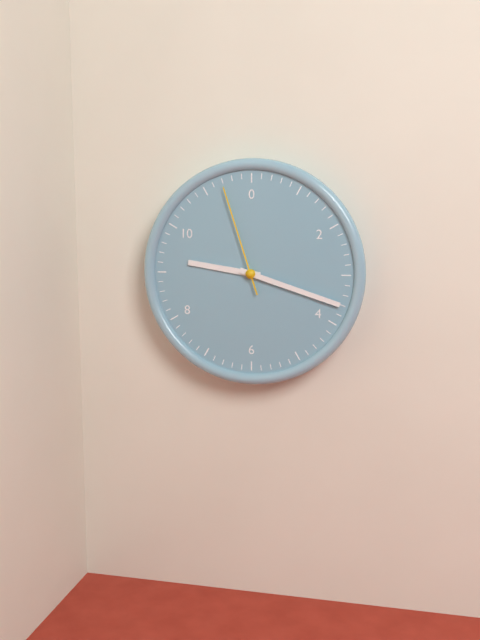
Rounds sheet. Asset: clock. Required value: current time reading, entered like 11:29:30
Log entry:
9:18:57
